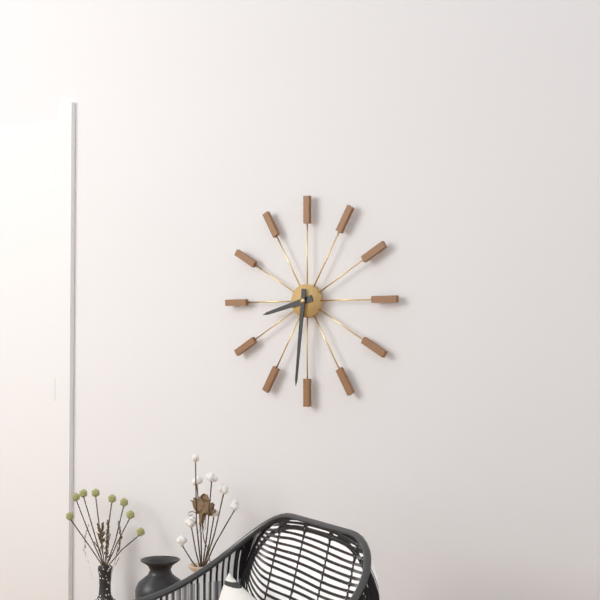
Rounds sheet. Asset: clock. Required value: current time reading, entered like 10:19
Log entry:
8:31
